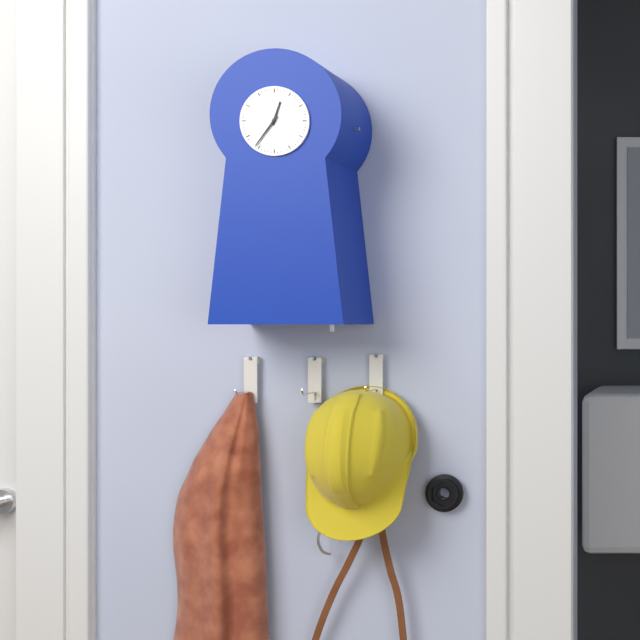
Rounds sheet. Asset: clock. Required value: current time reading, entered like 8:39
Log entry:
12:36
